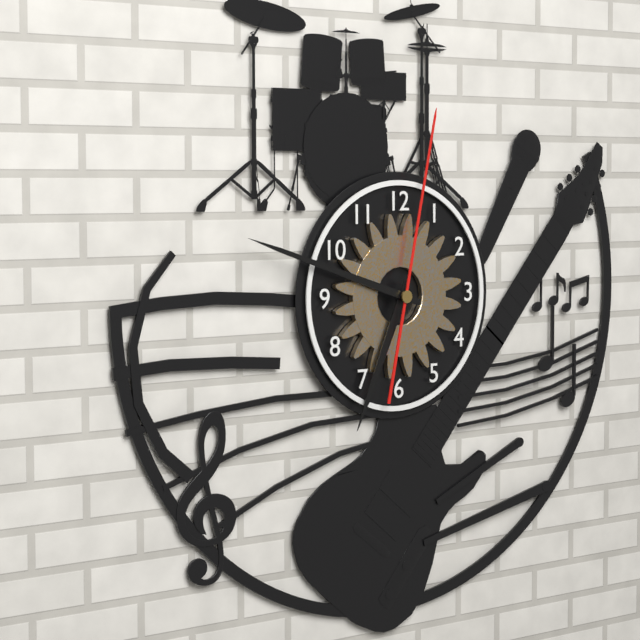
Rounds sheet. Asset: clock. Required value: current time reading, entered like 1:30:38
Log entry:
6:48:02
